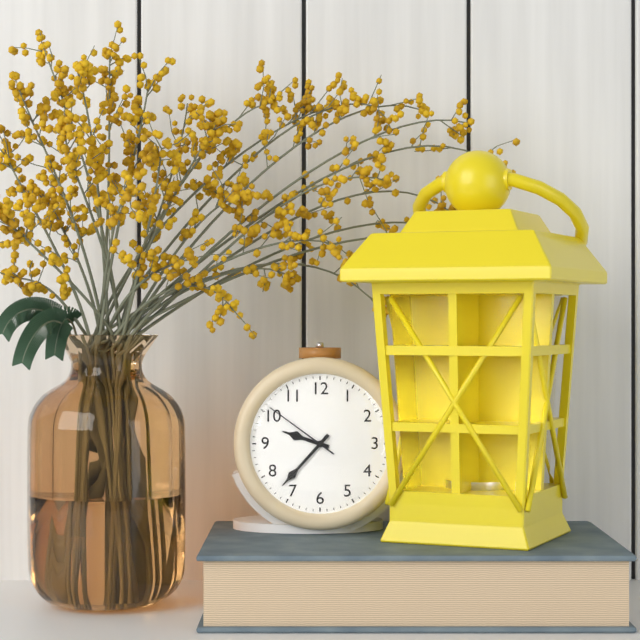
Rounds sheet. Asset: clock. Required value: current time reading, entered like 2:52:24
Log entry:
9:37:51
